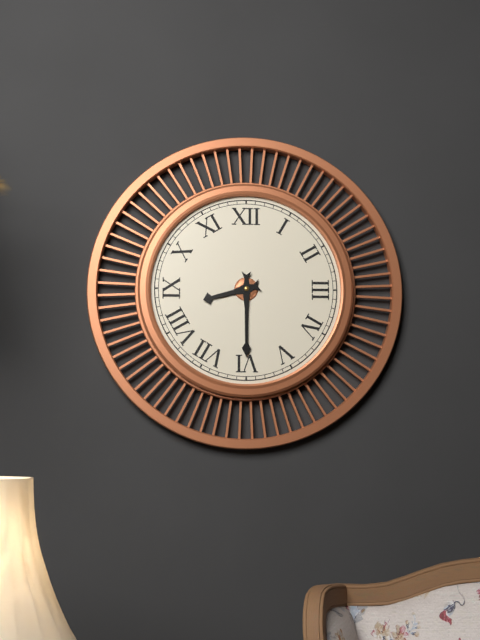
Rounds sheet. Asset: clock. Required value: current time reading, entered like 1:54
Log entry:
8:30
